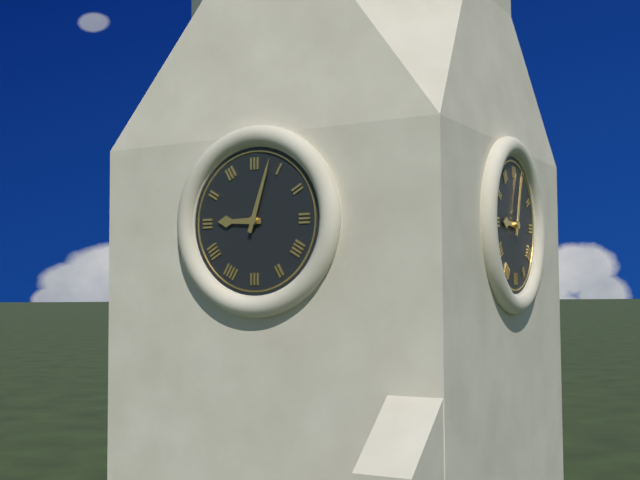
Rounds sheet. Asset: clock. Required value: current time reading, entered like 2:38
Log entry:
9:03
